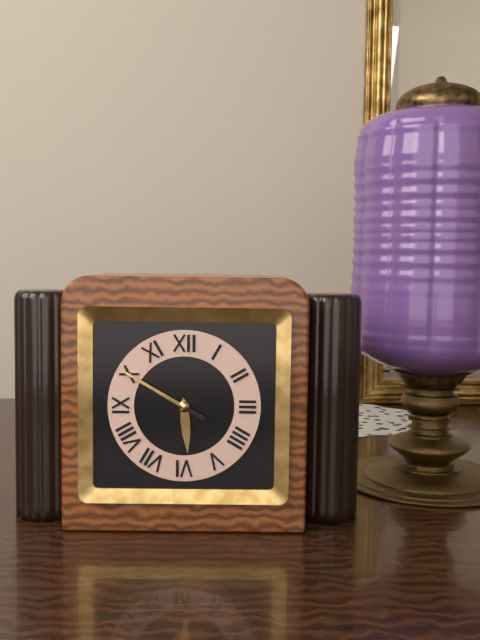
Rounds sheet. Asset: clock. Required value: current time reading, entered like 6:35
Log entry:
5:50
